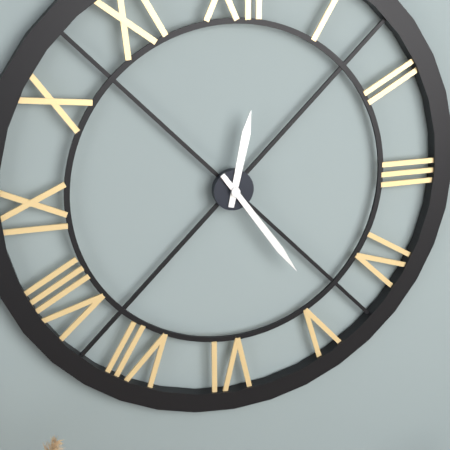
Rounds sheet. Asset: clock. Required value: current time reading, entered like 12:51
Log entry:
12:24
